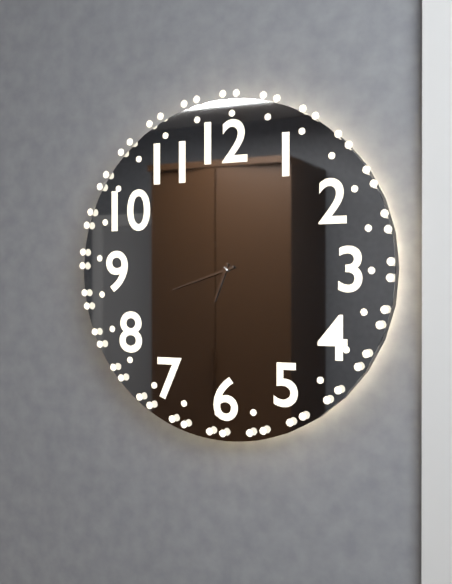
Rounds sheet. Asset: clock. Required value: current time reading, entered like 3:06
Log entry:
6:42
